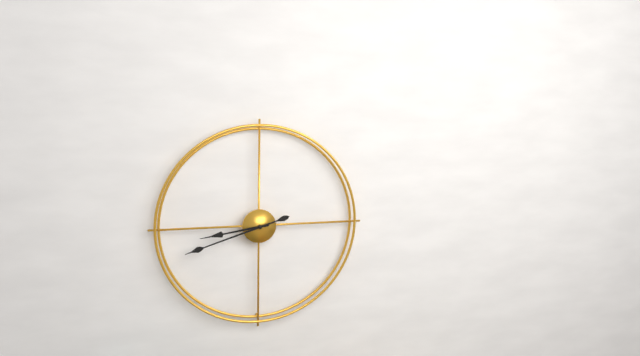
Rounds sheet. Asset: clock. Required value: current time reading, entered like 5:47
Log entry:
8:42
